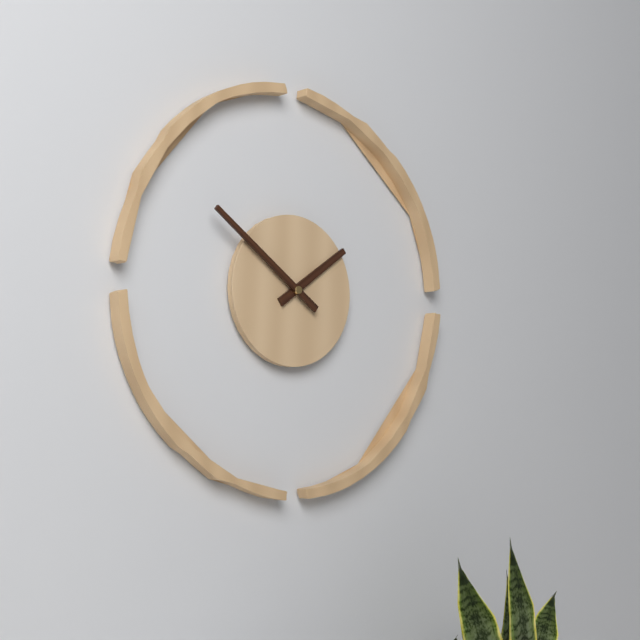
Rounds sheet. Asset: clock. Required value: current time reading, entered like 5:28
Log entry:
1:51
